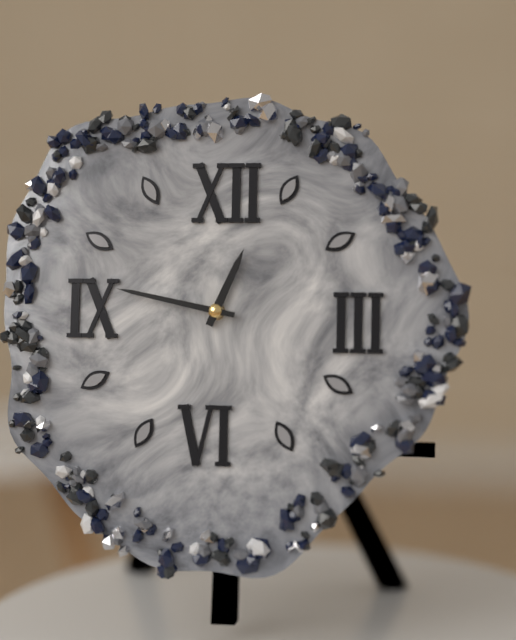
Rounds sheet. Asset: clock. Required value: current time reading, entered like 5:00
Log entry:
12:47
